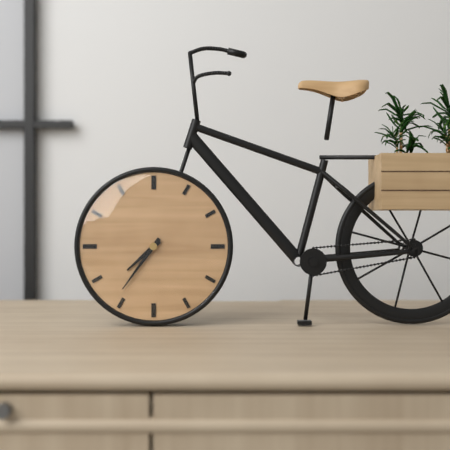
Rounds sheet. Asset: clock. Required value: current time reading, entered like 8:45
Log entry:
7:36
